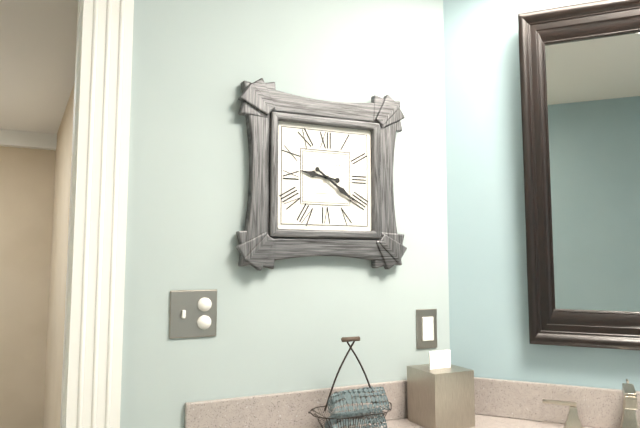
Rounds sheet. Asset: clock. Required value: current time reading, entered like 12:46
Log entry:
9:21
